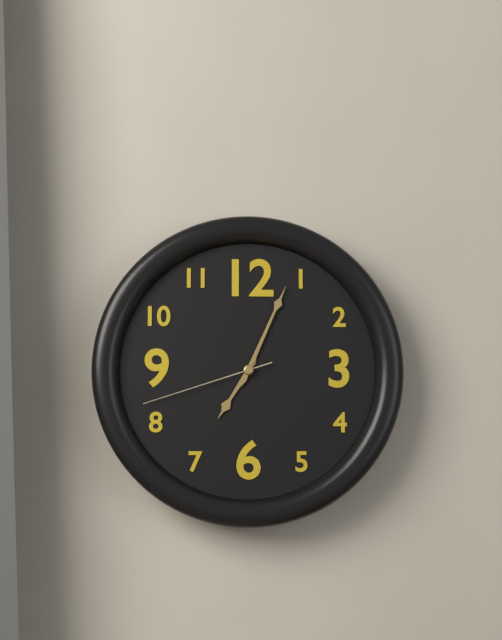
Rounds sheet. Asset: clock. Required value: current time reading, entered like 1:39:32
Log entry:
7:04:42
